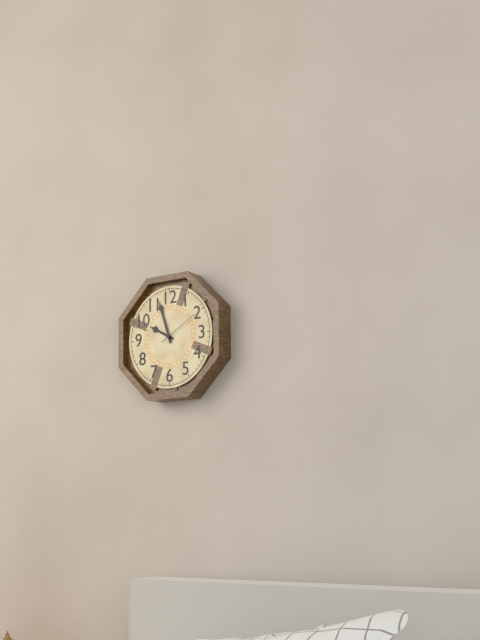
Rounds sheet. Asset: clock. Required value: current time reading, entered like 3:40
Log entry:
9:57
